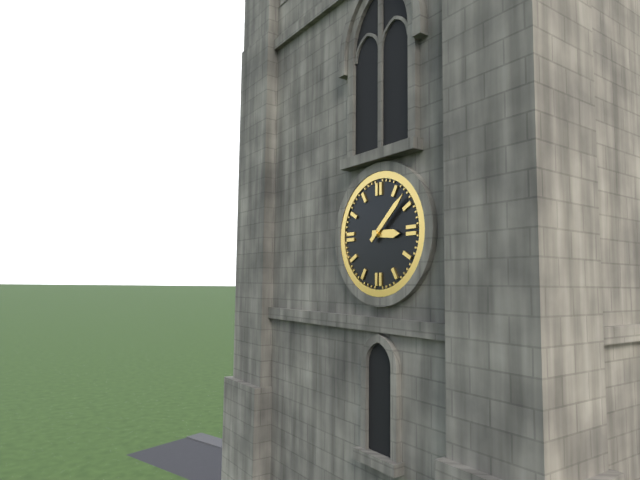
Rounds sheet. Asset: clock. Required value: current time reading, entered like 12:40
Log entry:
3:08
